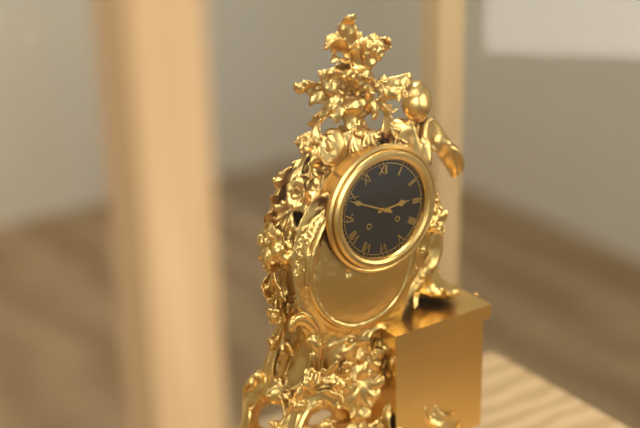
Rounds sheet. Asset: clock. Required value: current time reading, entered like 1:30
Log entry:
2:49
